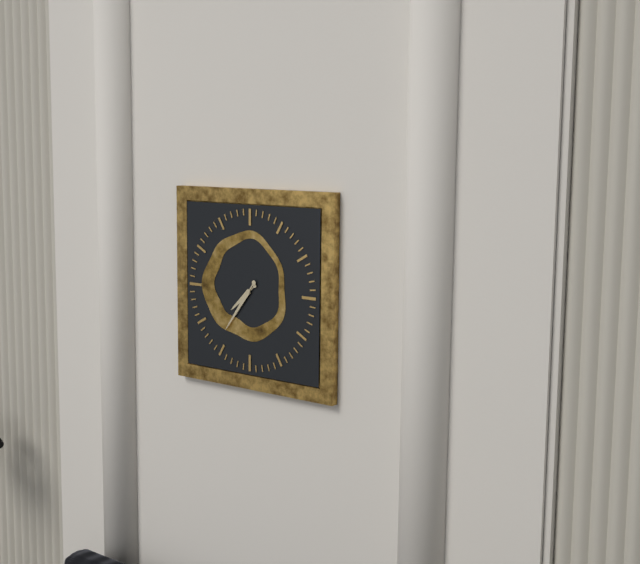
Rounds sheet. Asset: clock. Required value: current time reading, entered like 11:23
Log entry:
7:36
